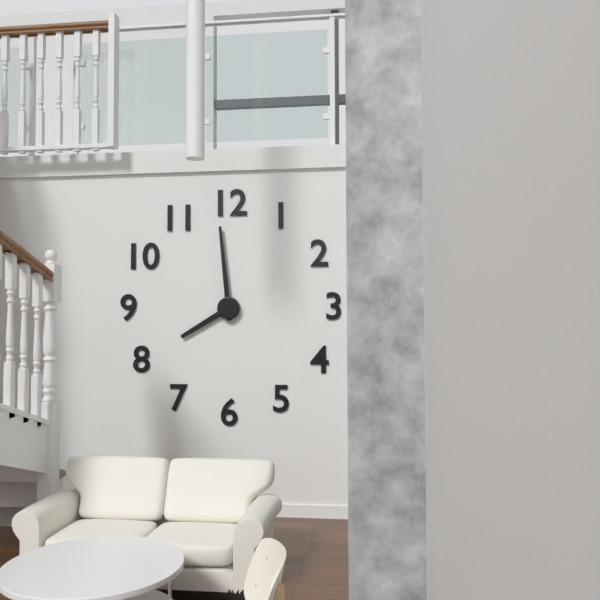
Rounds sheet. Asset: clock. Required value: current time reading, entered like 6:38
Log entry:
7:59
